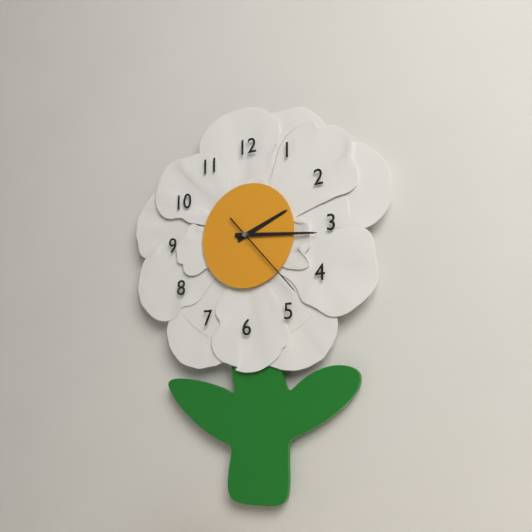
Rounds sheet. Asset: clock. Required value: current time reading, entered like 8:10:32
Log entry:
2:16:23
